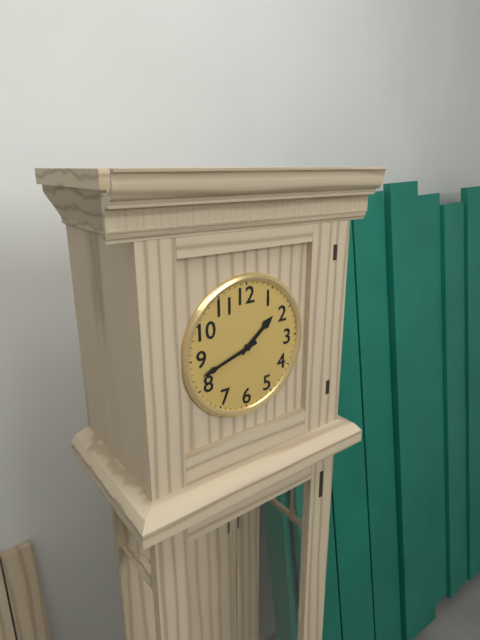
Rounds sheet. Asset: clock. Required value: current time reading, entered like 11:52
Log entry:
1:42
